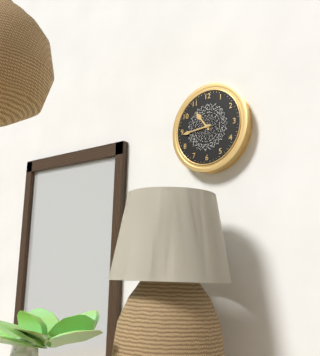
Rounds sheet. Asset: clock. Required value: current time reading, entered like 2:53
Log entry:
10:44
